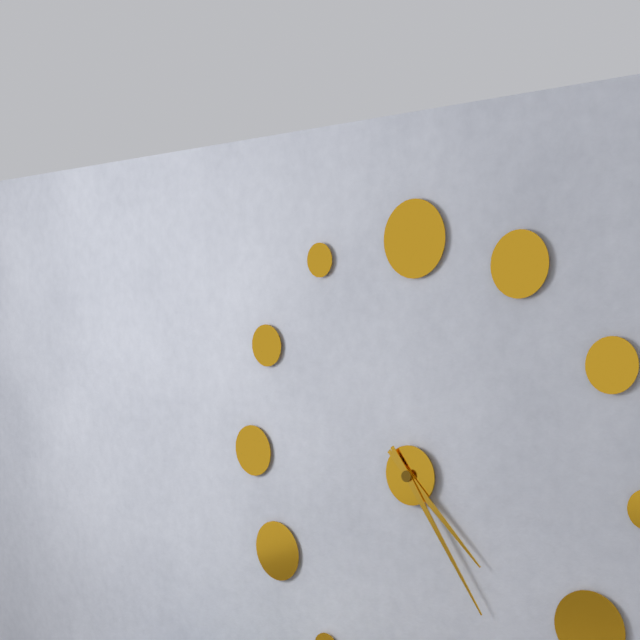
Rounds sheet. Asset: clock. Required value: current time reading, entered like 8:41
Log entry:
4:24
